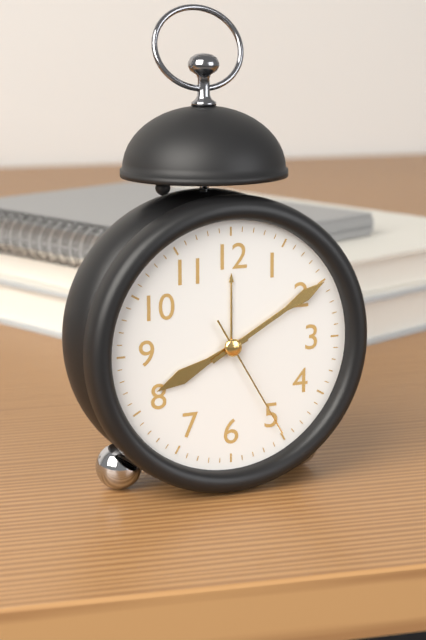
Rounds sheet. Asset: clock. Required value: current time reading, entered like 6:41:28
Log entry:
8:10:25
